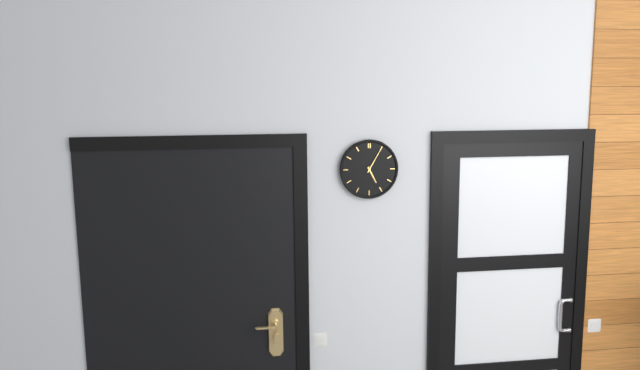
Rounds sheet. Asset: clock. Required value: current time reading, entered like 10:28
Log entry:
5:05
